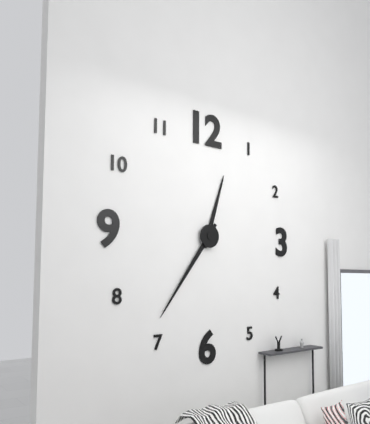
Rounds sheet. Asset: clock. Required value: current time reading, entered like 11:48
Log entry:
12:36
